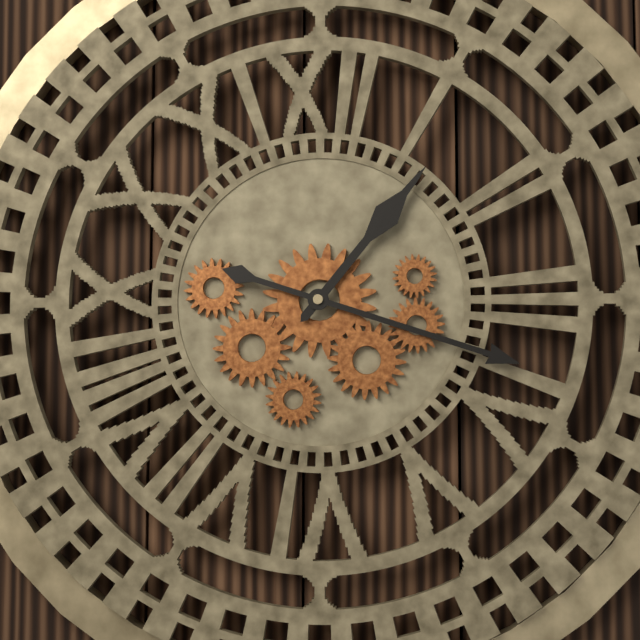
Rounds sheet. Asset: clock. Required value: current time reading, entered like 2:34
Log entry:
1:18
